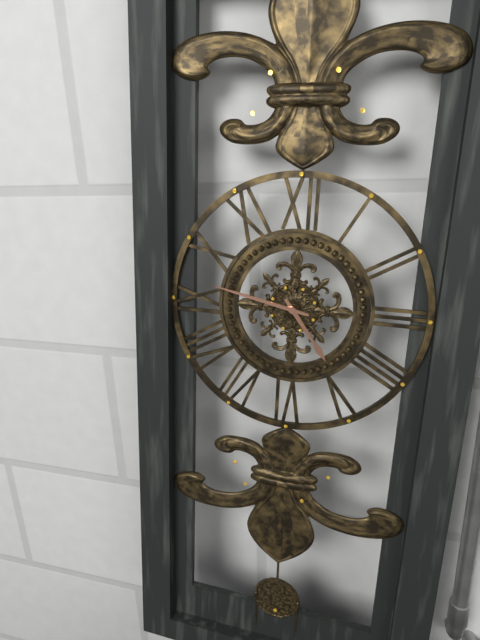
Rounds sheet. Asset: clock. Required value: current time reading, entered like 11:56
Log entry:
4:47
